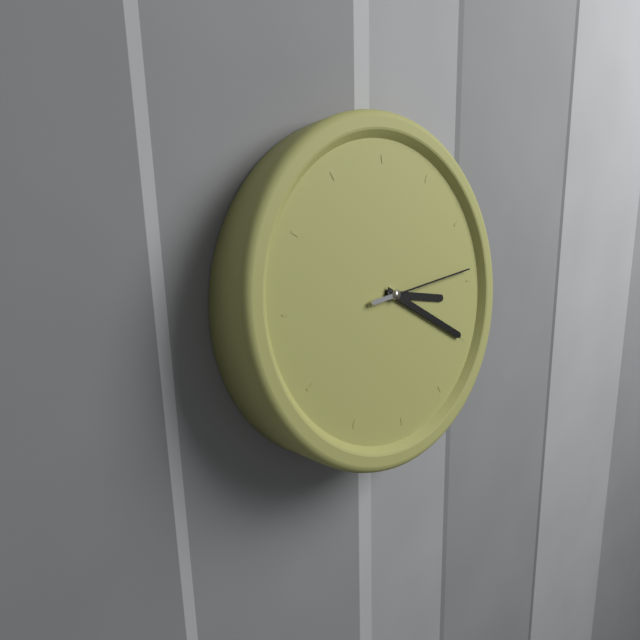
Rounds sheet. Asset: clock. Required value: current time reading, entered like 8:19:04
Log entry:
3:20:14
